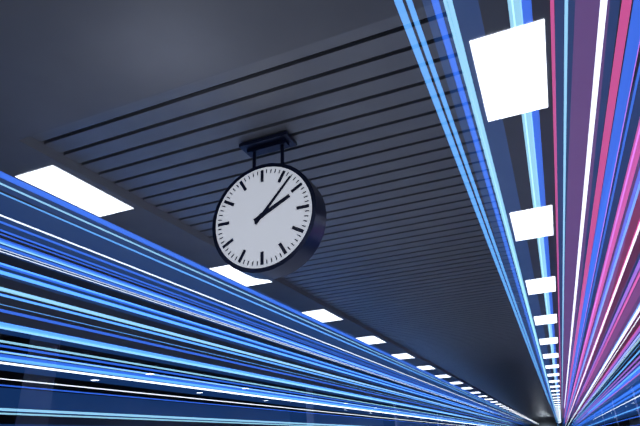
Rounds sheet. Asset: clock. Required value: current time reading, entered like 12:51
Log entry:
2:07
